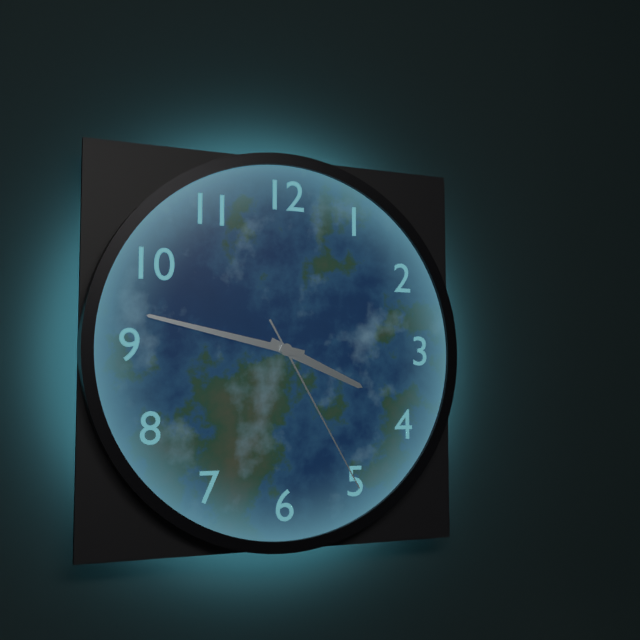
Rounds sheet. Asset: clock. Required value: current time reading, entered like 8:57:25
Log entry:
3:47:25
